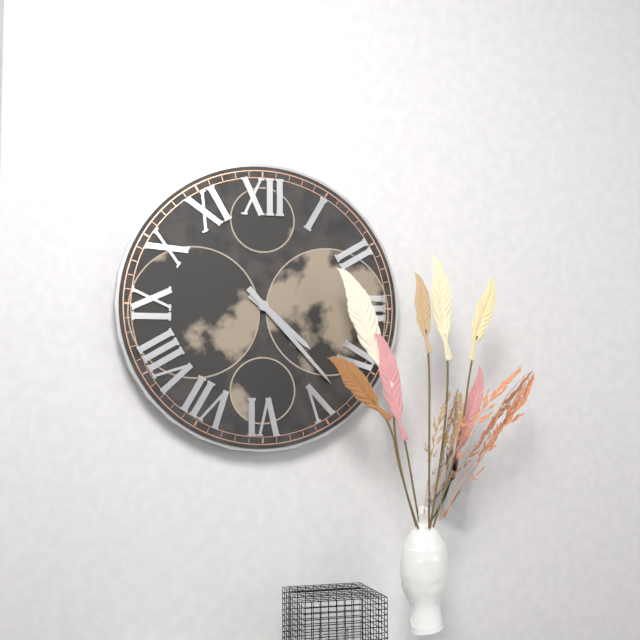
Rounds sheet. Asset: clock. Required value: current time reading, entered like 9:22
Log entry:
4:23
